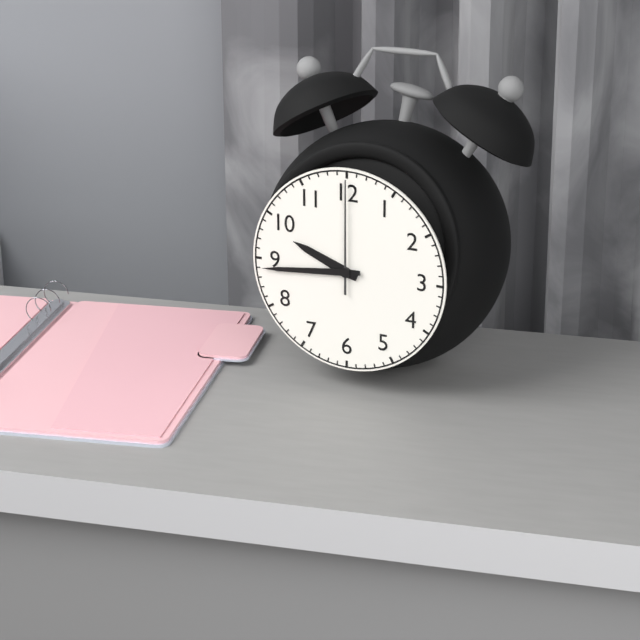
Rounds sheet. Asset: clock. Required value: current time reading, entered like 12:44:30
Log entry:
9:44:00
